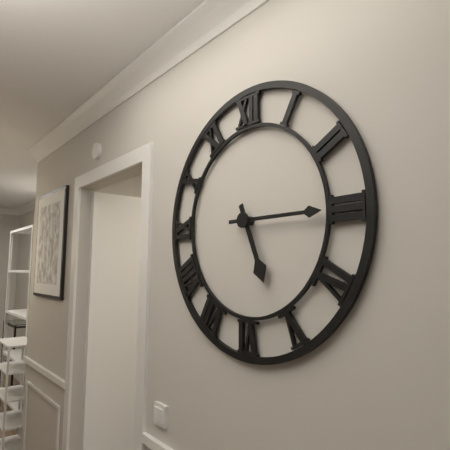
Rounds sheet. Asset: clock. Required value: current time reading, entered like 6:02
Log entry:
5:15
